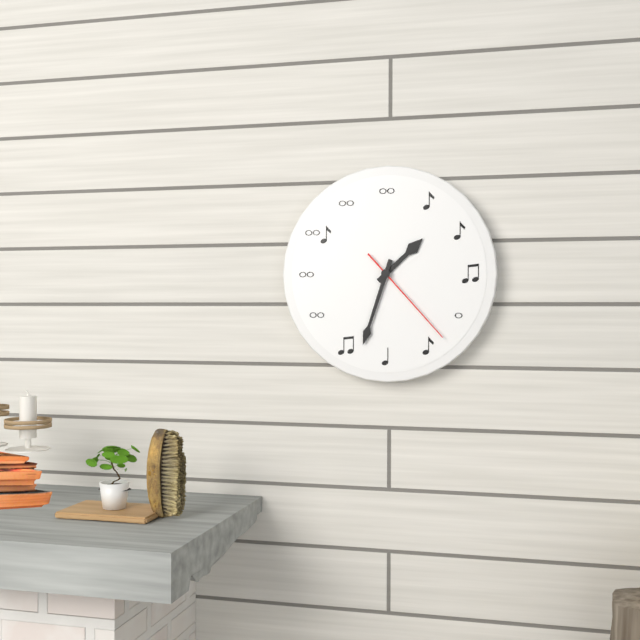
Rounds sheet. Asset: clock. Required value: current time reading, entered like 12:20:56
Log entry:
1:33:23
